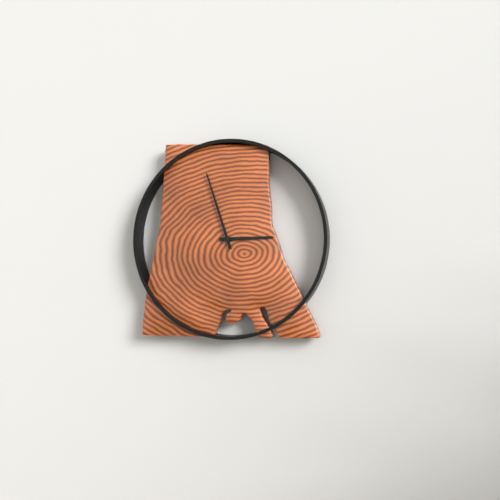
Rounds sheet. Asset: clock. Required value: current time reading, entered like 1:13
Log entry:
2:57
